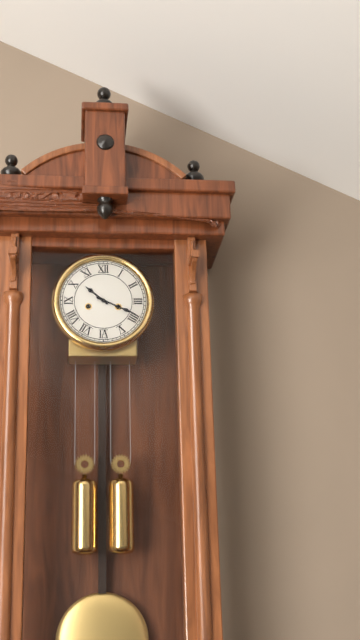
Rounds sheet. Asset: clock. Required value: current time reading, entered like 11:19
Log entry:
10:19
